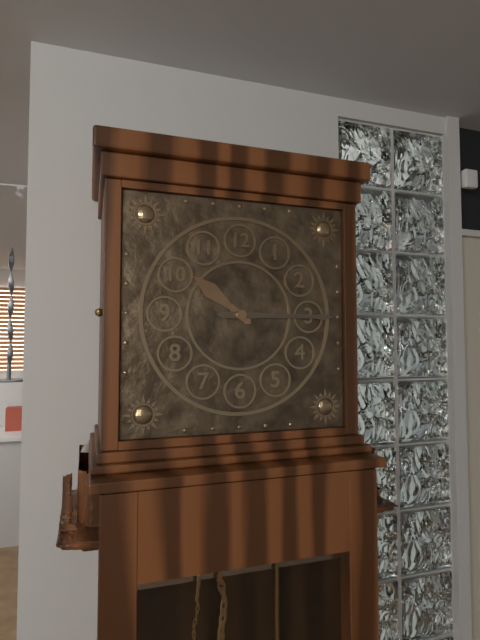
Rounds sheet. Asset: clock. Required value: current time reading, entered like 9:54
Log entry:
10:15
